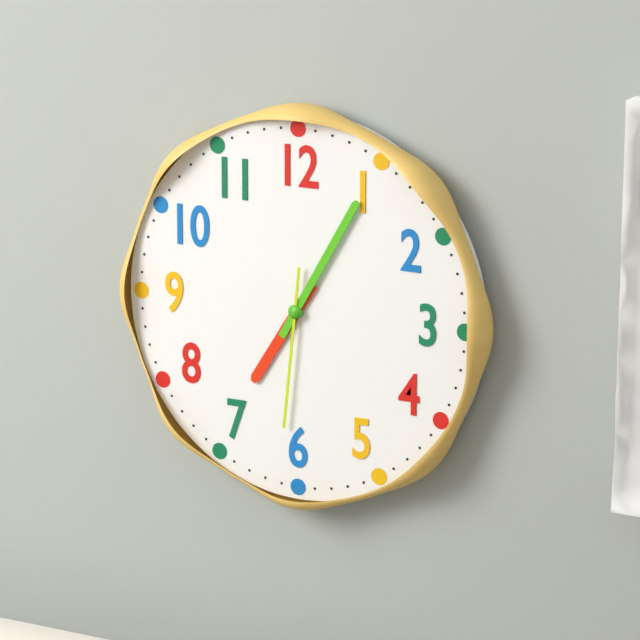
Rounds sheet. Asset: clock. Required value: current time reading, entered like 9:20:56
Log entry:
7:05:31
